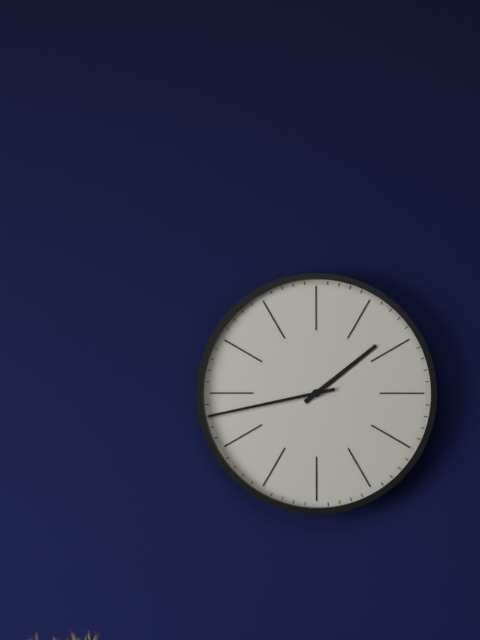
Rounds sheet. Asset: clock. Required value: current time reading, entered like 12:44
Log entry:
1:43
